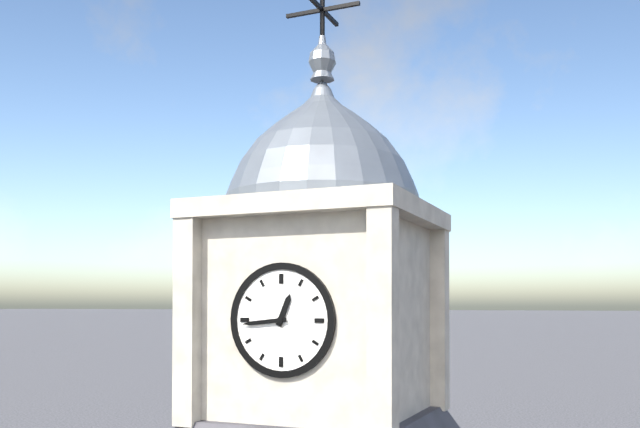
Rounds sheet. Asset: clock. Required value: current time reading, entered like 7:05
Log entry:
12:44
